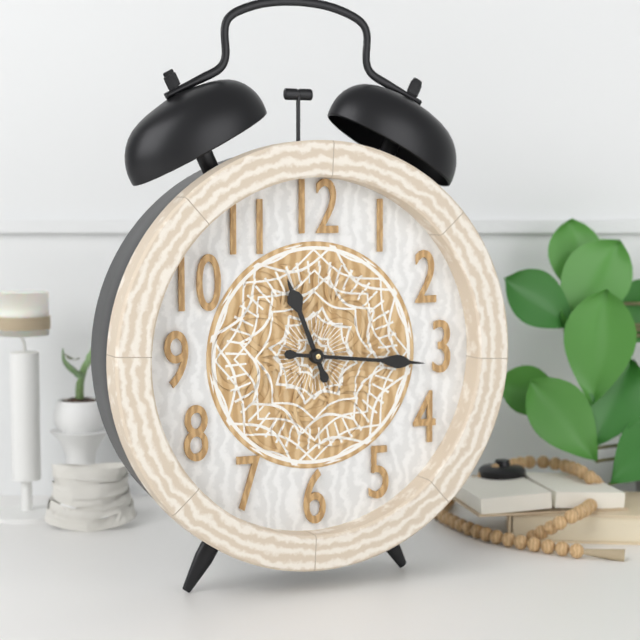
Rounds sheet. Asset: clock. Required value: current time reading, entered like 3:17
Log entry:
11:16
